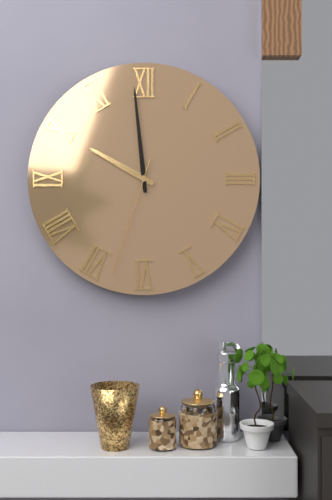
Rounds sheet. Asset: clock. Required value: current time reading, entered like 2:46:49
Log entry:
9:59:33
